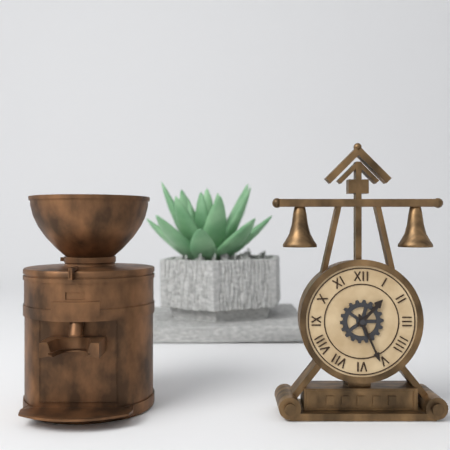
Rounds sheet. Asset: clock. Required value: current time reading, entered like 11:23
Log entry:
1:26
